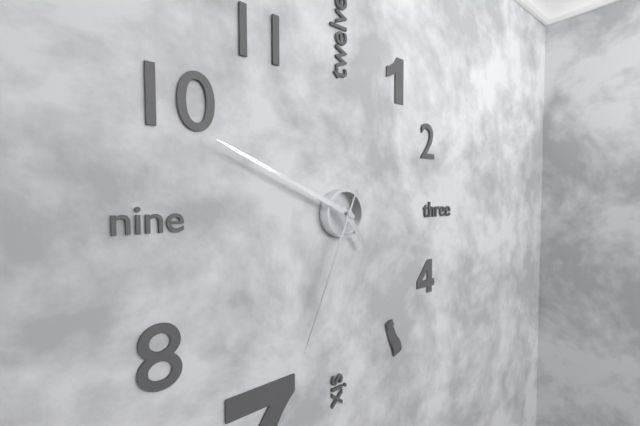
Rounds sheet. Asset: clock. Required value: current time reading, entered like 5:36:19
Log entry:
4:49:34
